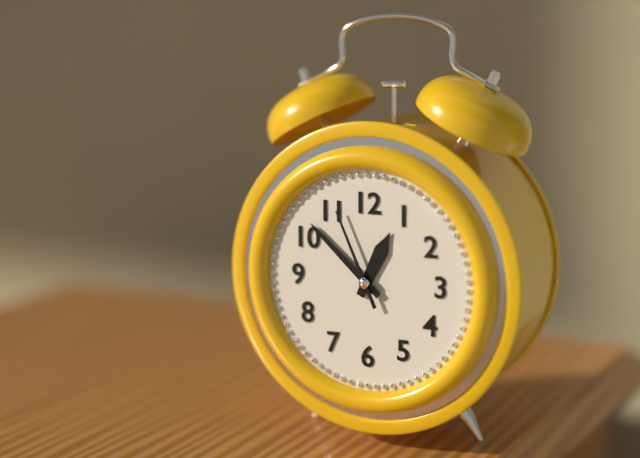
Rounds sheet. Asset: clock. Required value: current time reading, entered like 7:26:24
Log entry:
12:52:56
